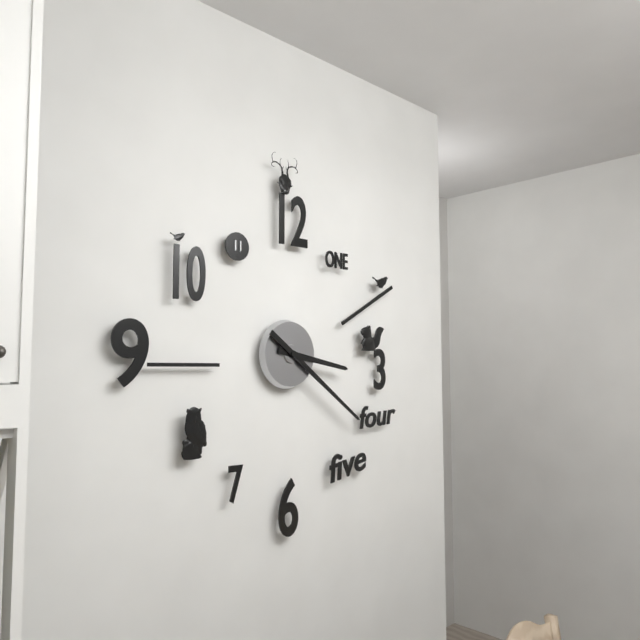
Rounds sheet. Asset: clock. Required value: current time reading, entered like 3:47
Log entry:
3:21
